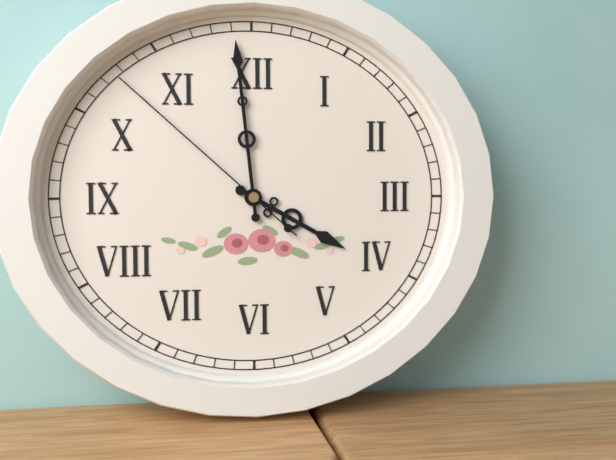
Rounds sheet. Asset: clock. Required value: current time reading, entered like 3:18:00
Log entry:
3:59:52
